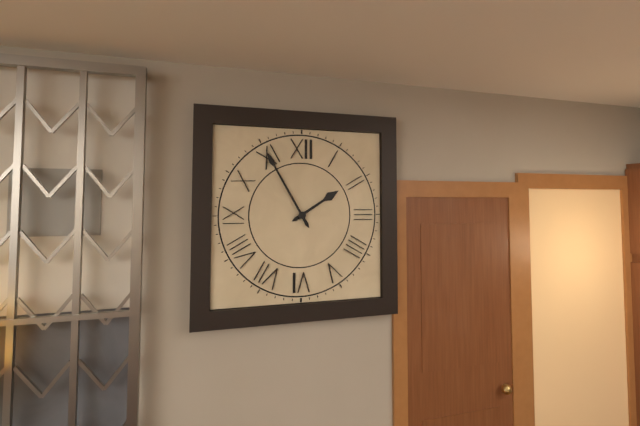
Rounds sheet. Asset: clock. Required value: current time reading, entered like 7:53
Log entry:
1:55
